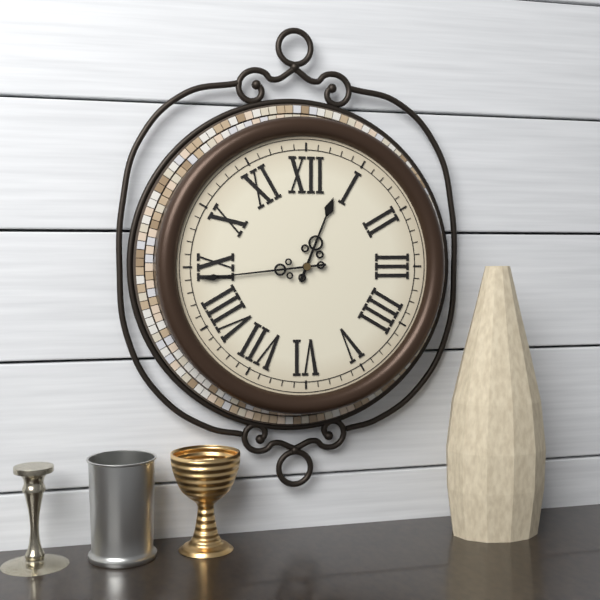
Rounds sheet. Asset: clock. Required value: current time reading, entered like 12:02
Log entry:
12:44
